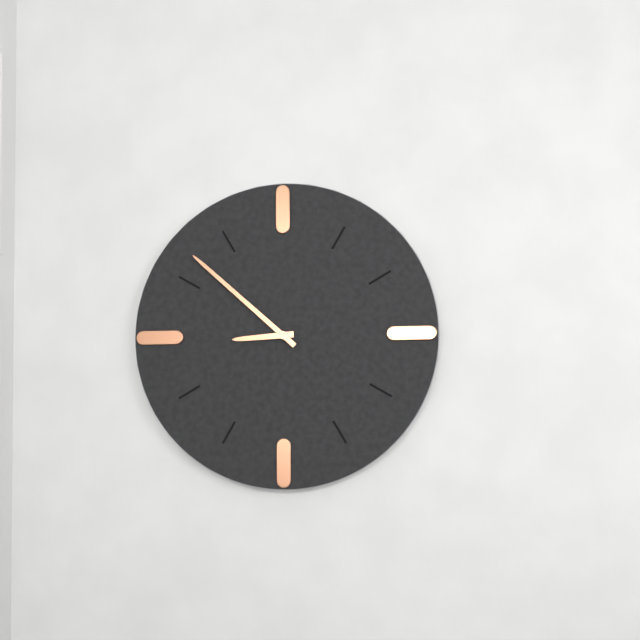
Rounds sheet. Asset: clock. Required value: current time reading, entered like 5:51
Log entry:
8:52
